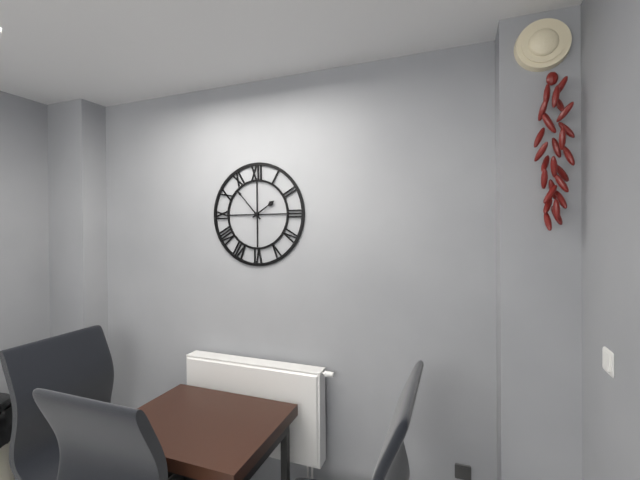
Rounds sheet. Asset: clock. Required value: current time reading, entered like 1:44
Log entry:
1:53
